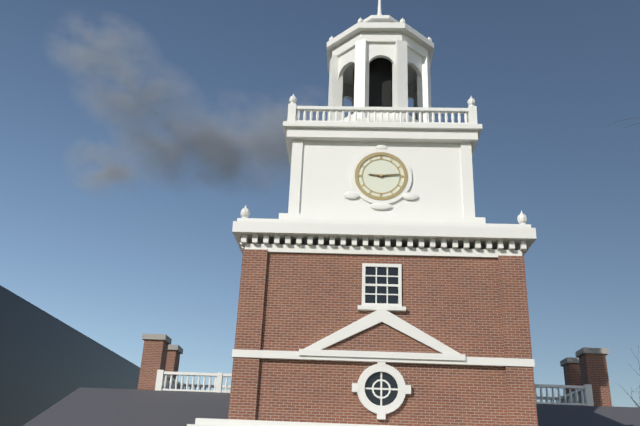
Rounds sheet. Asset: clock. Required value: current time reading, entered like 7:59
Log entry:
9:14
